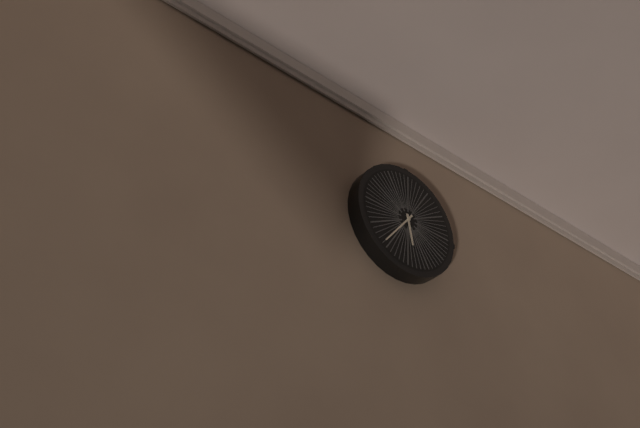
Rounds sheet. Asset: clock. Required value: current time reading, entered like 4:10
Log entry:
5:36
